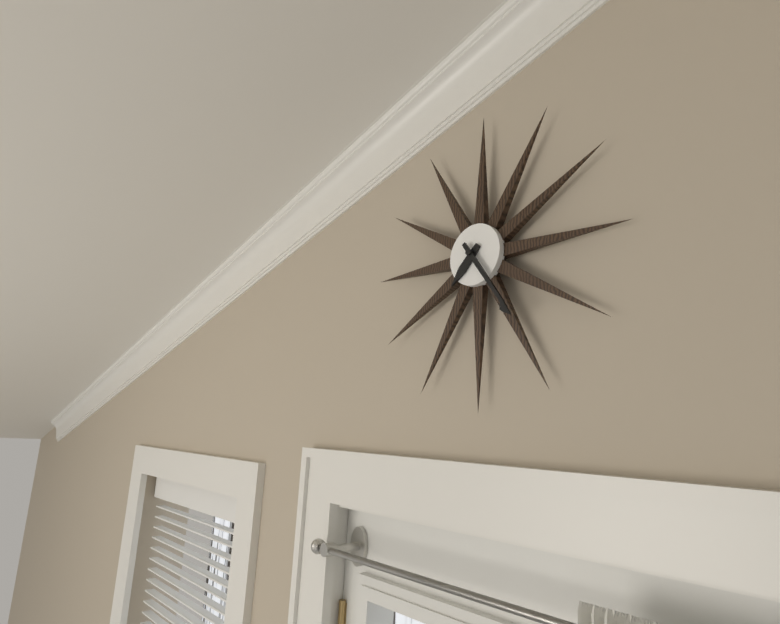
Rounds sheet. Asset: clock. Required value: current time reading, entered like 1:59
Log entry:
7:24
